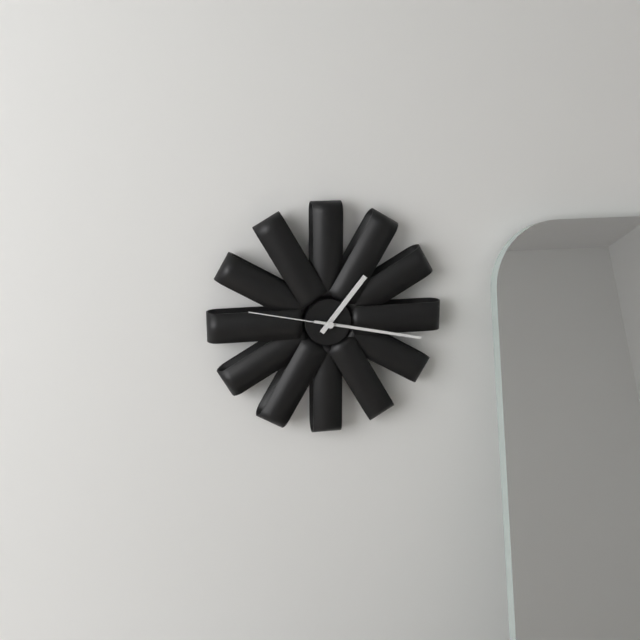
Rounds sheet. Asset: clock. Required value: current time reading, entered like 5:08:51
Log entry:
1:17:47
